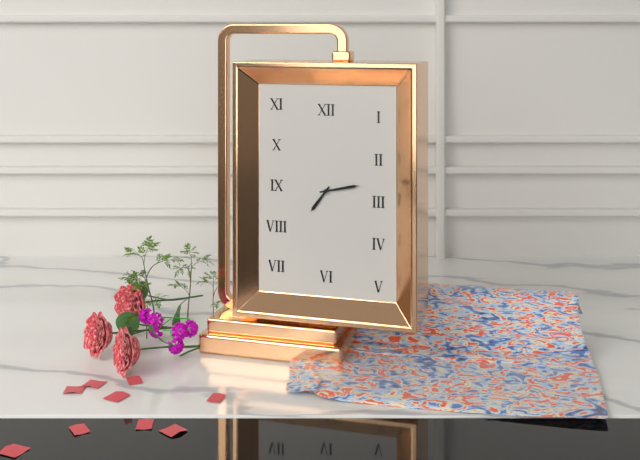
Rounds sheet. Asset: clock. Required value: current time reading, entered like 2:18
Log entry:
7:13
